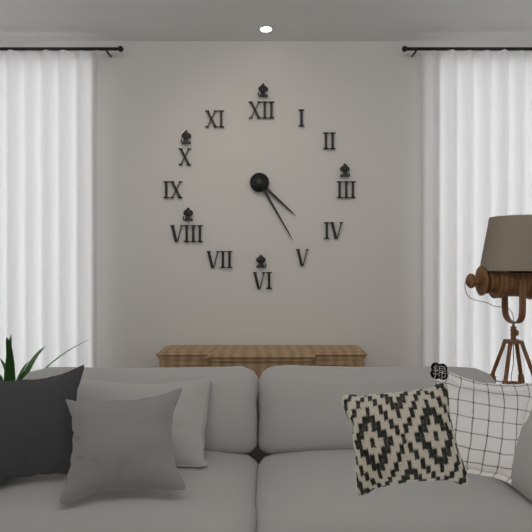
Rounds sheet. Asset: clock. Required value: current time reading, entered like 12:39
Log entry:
4:25
